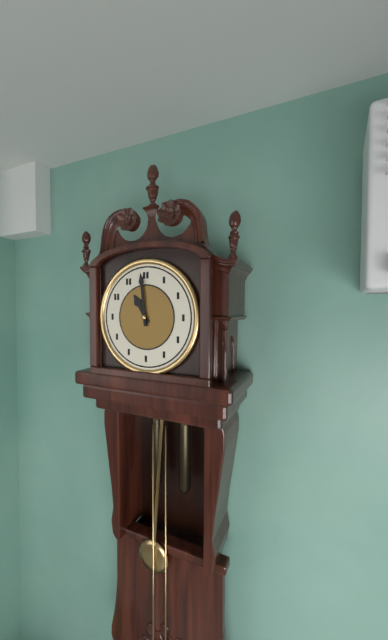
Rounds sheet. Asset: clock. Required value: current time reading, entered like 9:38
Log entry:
10:59
